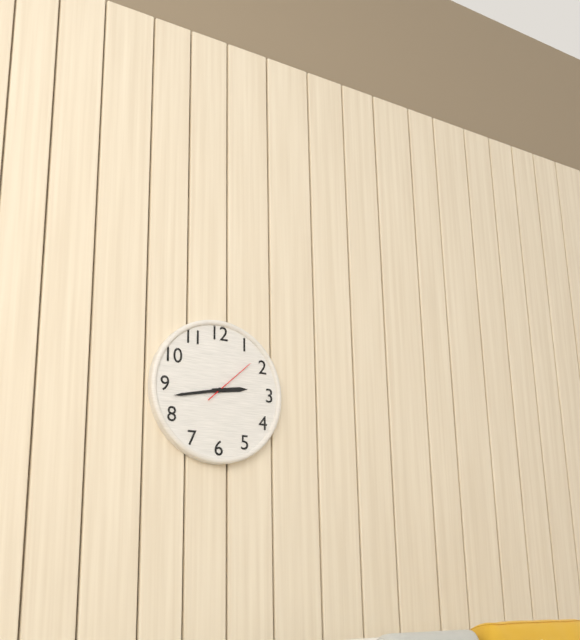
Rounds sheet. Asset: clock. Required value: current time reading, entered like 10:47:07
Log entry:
2:43:08
